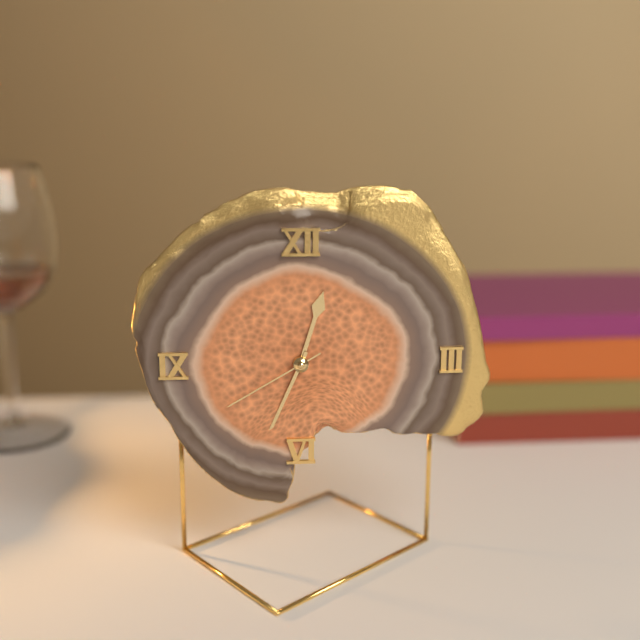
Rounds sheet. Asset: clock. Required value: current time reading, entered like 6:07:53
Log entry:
12:34:40
